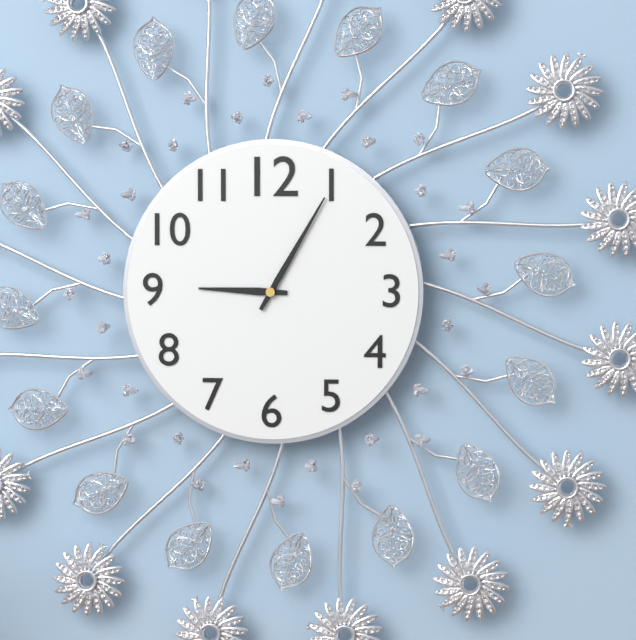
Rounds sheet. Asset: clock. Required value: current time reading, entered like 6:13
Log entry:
9:05
